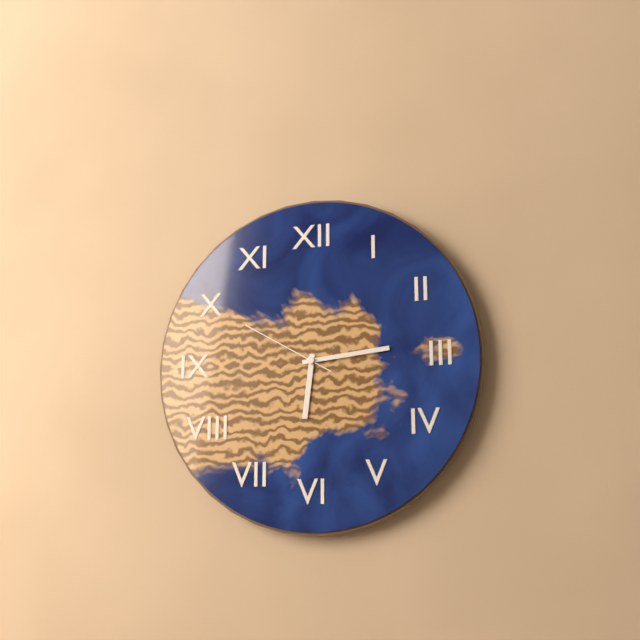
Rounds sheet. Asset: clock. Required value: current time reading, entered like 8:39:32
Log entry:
6:14:50
